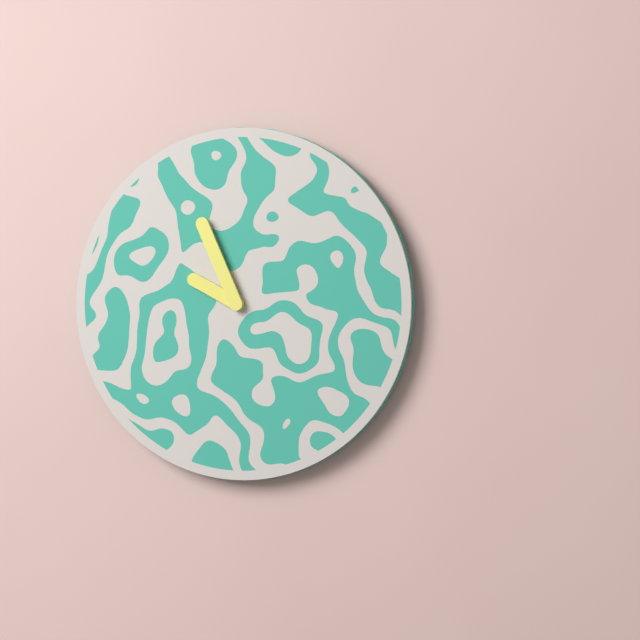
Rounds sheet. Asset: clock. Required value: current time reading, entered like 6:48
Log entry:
9:56
